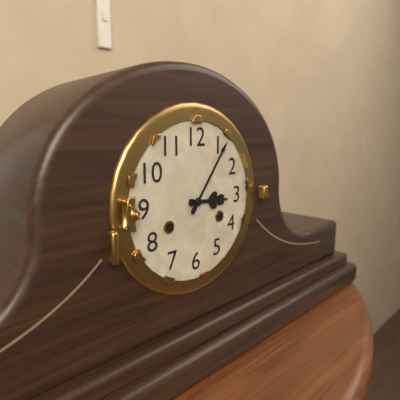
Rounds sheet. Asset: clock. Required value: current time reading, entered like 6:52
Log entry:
3:06
